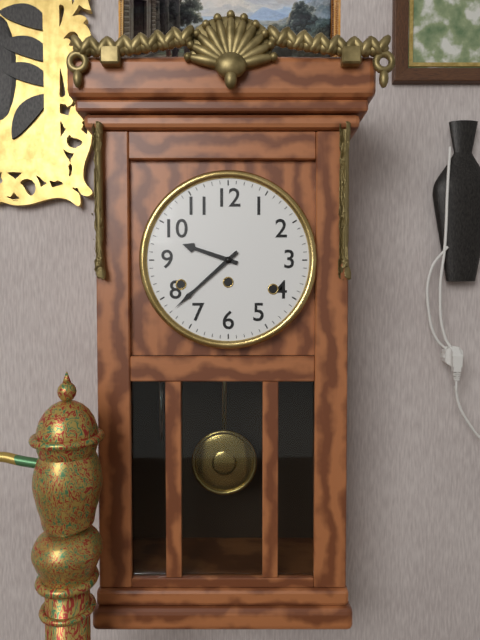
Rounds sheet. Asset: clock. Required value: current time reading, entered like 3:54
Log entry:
9:38
